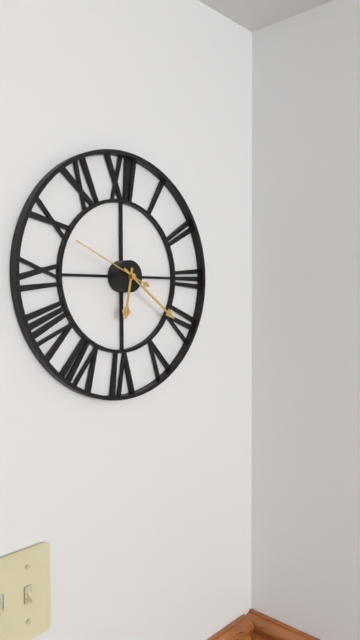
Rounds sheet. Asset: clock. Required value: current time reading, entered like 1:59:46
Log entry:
6:21:49
